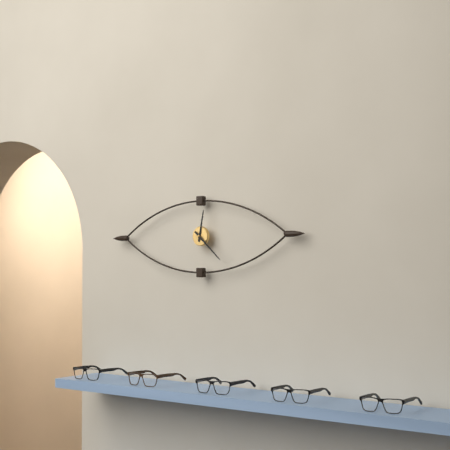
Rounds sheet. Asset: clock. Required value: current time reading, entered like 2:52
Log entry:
12:22
